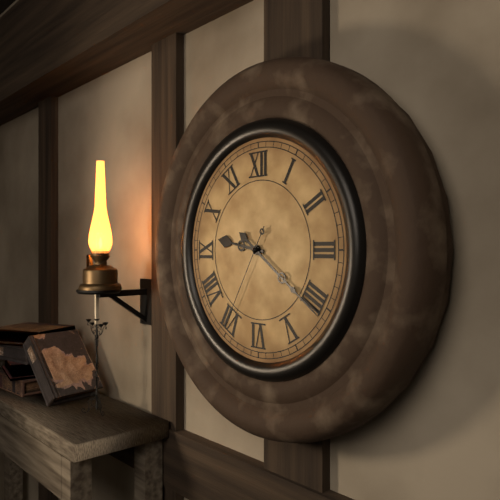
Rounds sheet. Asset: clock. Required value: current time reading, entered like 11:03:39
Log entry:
9:21:35
